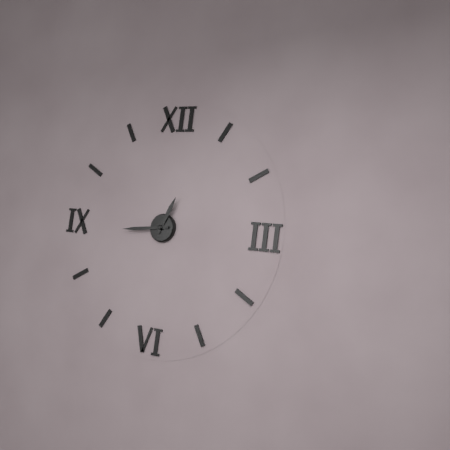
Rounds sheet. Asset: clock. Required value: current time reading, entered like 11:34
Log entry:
12:44
